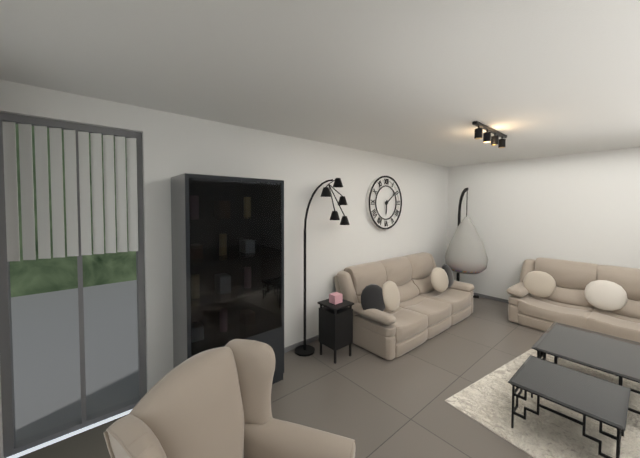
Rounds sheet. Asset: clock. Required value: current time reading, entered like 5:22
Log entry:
6:09
